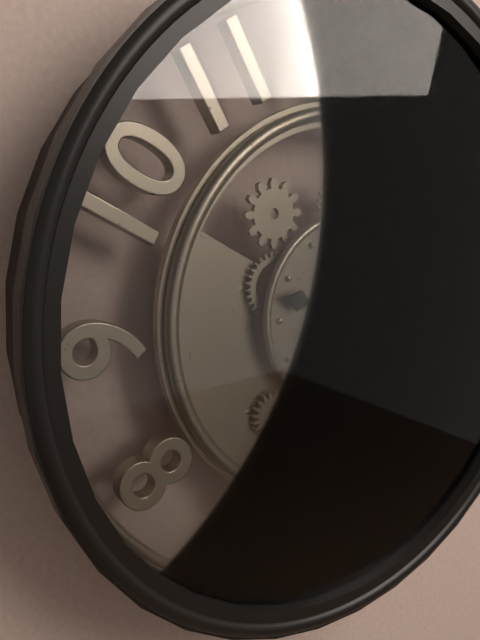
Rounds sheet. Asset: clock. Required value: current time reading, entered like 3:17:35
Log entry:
9:33:29
